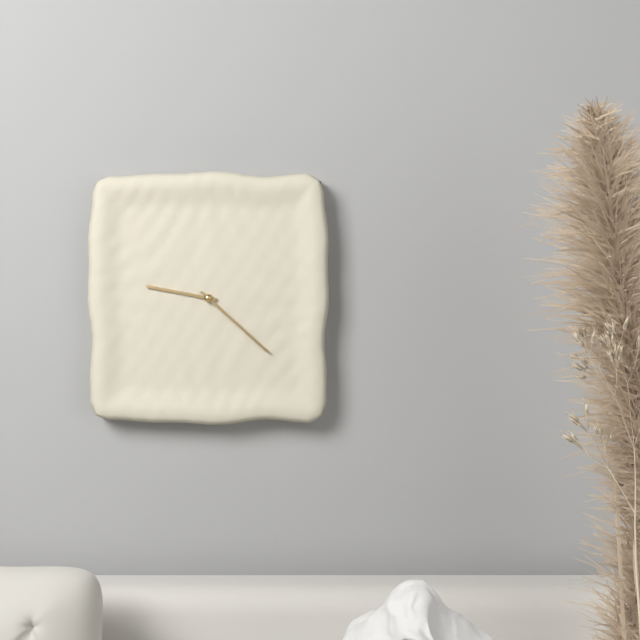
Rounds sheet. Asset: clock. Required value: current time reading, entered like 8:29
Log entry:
9:22
